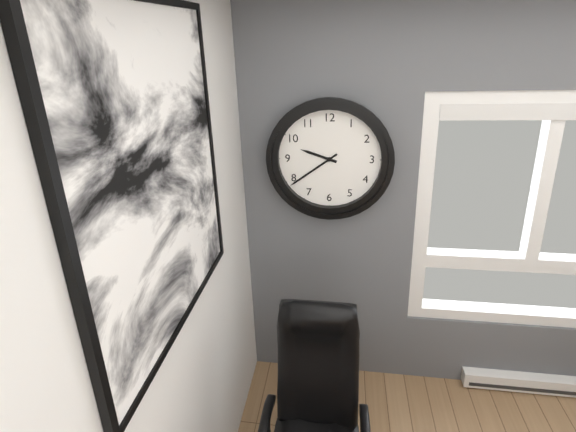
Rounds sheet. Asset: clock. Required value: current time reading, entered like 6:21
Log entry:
9:39
